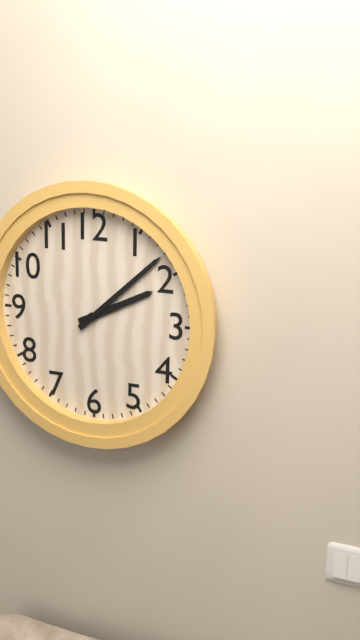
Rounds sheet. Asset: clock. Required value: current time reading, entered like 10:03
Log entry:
2:08
